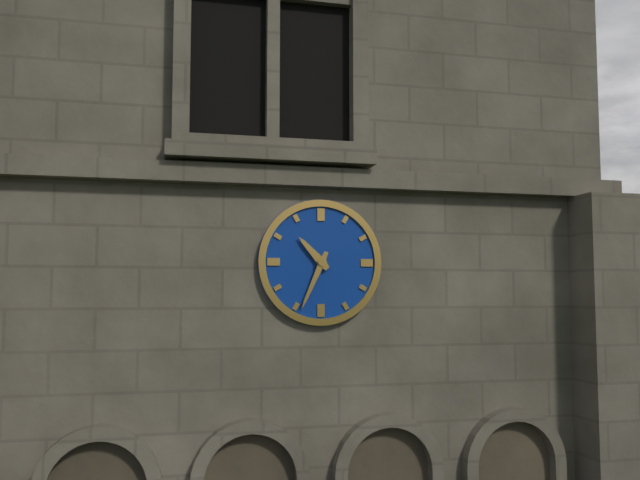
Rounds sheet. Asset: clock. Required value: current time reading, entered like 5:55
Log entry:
10:34
